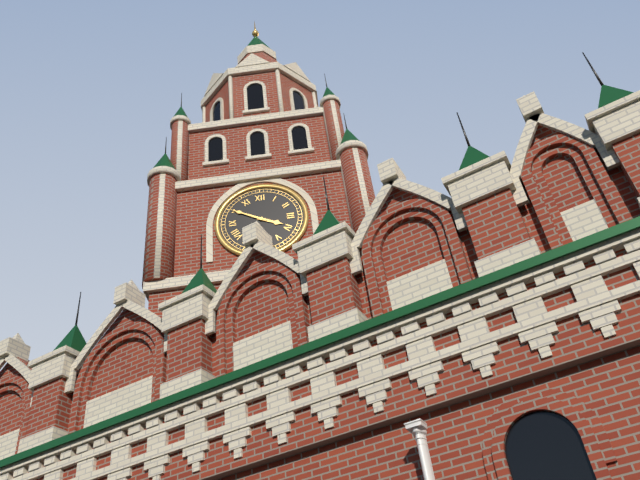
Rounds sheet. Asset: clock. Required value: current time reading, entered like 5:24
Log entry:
3:50
